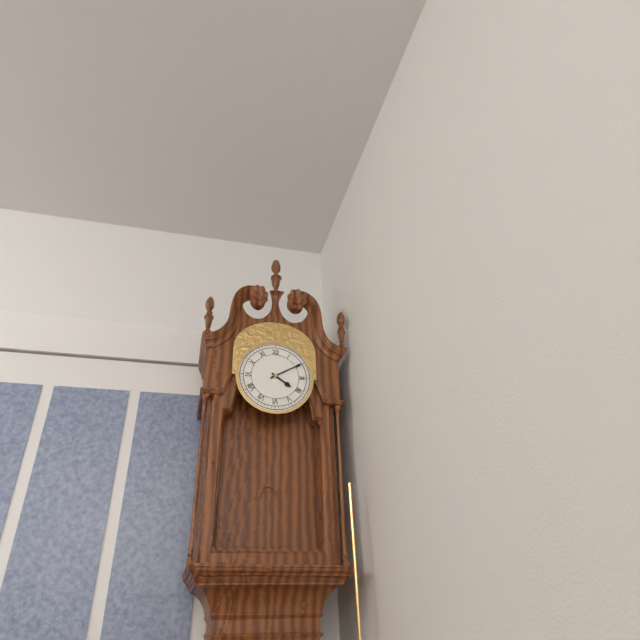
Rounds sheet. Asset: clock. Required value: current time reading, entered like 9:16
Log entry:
4:10
